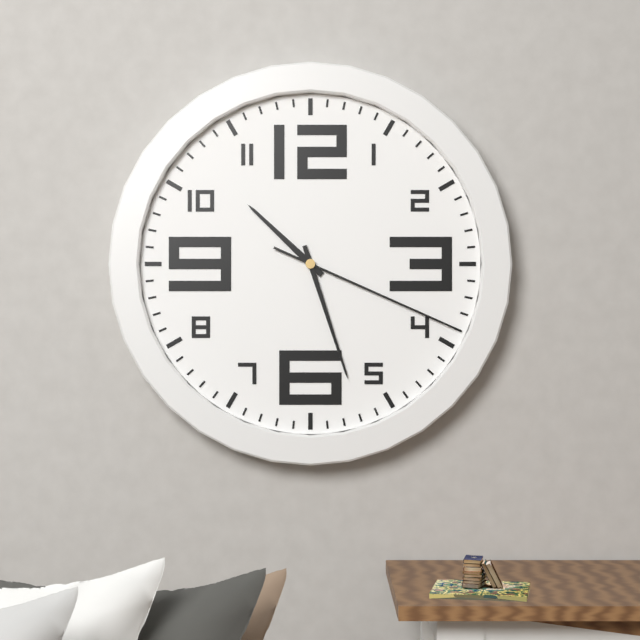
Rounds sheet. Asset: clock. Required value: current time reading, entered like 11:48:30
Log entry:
10:27:19
